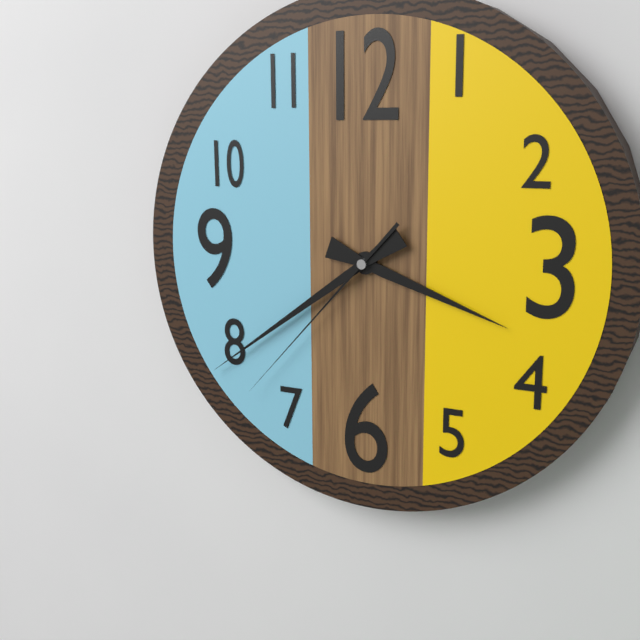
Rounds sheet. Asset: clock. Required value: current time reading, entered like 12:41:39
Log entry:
3:39:37
